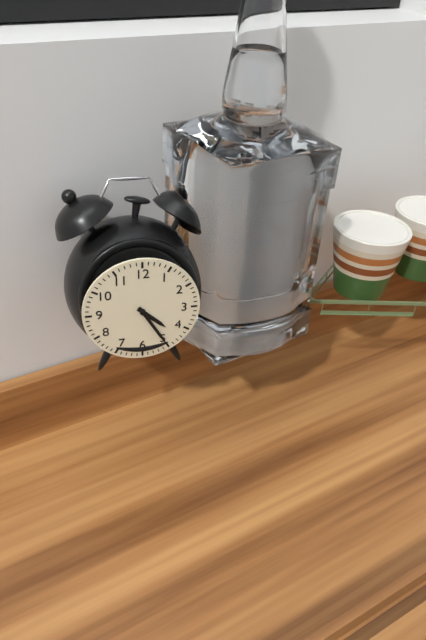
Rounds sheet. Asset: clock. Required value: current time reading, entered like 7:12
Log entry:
4:25
